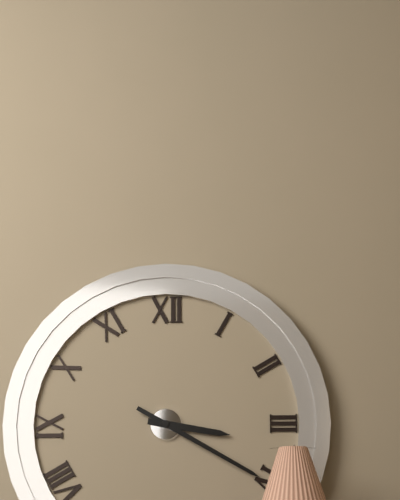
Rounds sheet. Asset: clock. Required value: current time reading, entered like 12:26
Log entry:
3:20
